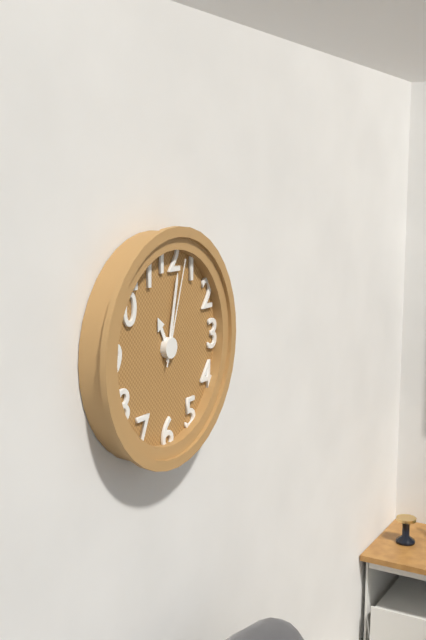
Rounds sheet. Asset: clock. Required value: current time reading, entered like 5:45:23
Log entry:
11:02:03
